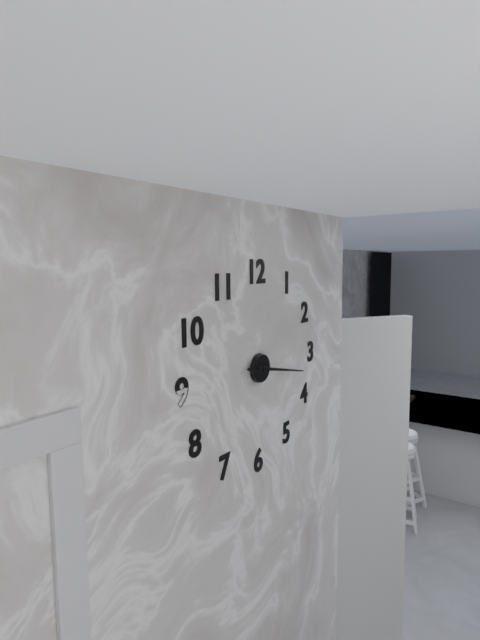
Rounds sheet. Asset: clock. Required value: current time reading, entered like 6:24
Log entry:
9:17
